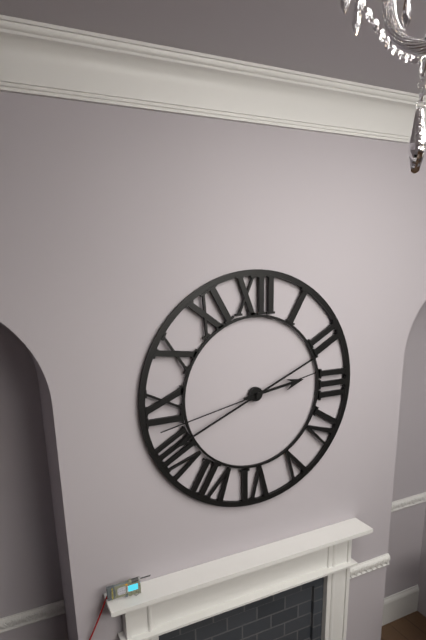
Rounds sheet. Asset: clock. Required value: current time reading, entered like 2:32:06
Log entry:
2:41:43
